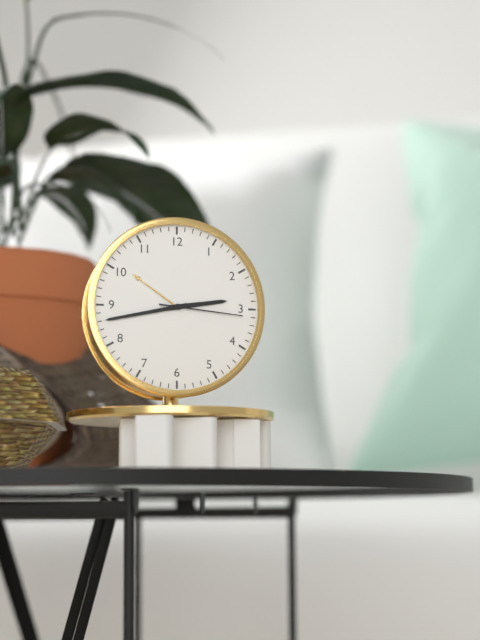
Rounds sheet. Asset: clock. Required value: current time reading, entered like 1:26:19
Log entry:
2:43:16
